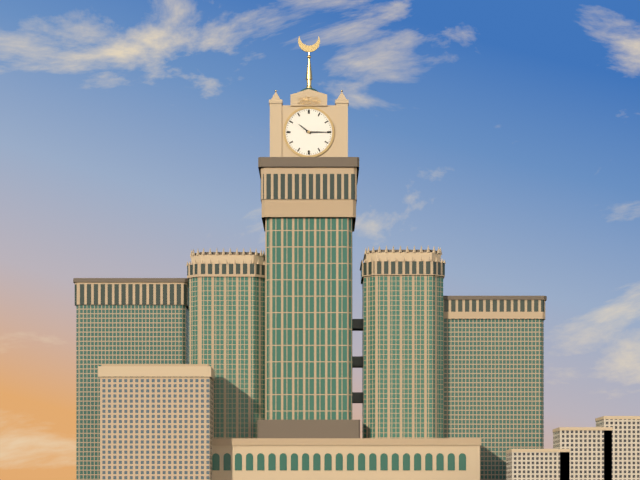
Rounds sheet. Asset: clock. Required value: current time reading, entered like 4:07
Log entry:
10:15
